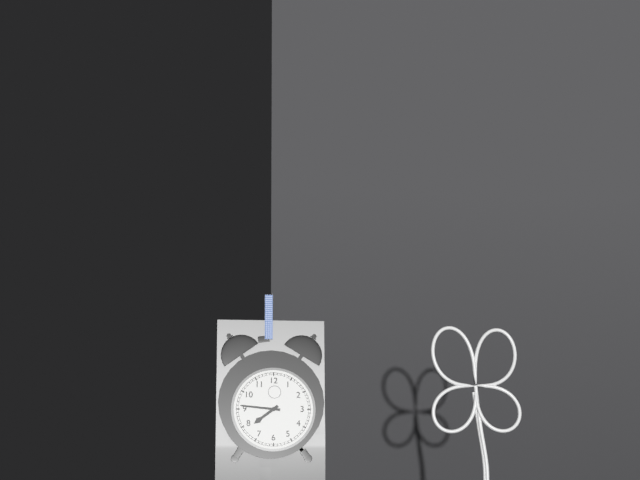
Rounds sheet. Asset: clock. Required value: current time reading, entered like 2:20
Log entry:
7:46
